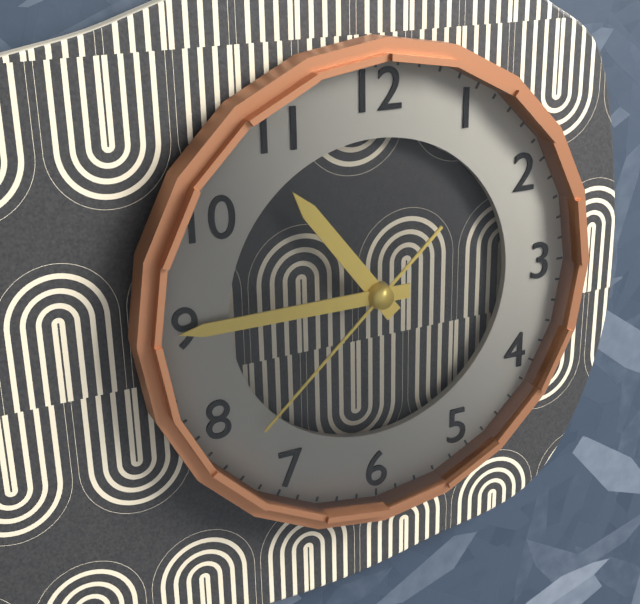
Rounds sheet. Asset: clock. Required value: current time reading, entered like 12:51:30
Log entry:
10:45:38
